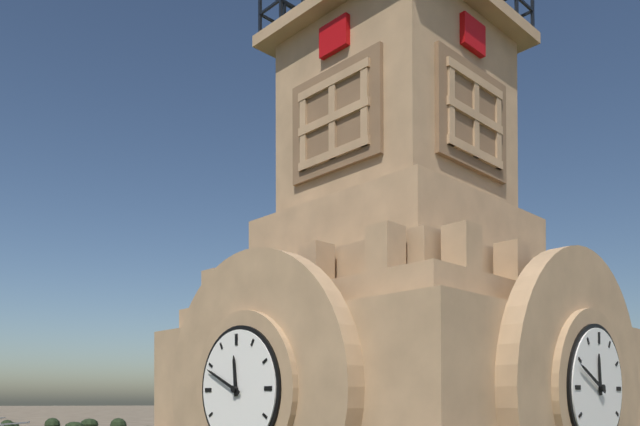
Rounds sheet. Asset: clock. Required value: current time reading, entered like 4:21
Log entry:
11:49
